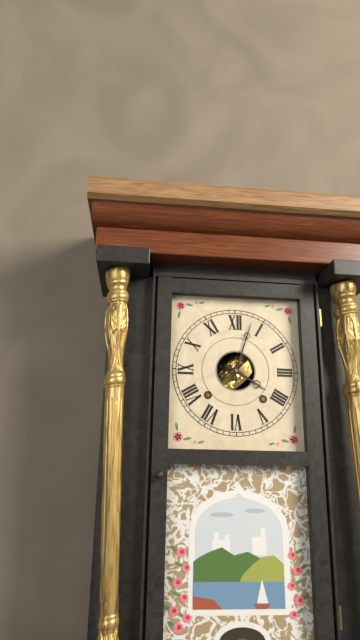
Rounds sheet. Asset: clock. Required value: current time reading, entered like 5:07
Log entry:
4:03
